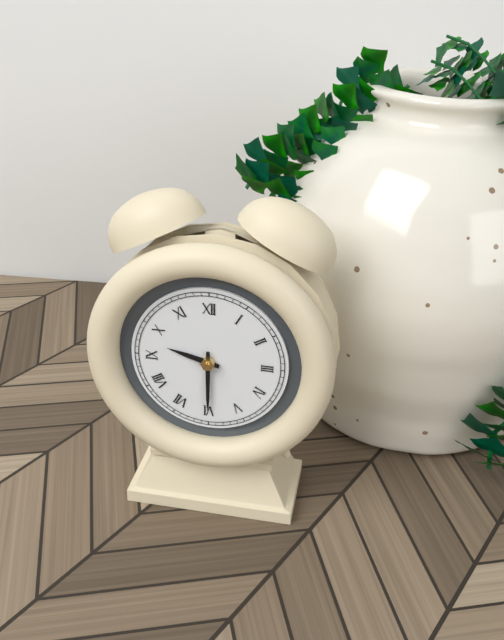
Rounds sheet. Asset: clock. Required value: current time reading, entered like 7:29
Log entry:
9:30
